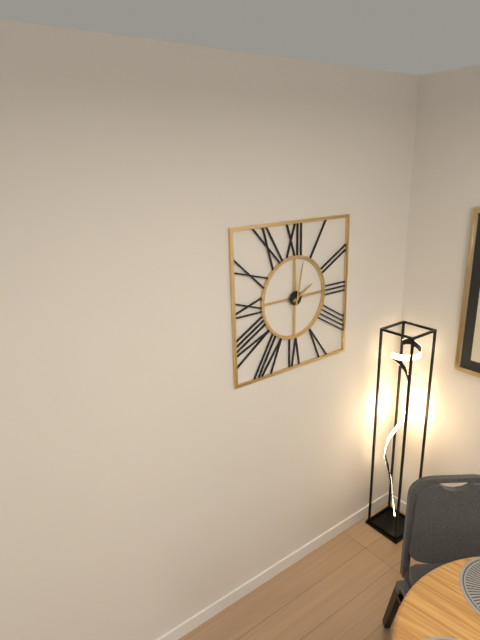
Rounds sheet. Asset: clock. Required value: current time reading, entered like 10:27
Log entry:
2:02
